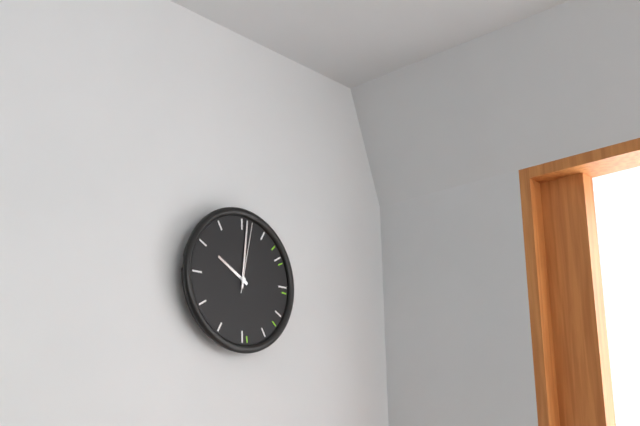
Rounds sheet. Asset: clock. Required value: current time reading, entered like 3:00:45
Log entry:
10:01:02
